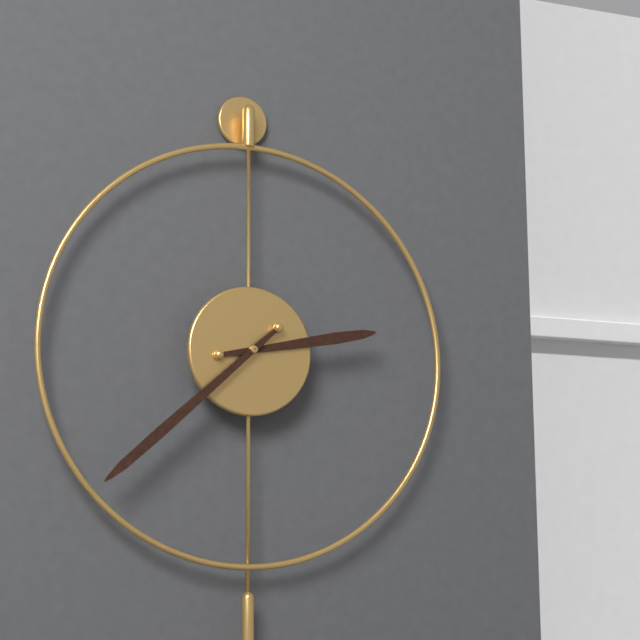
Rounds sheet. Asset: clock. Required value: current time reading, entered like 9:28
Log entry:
2:38
